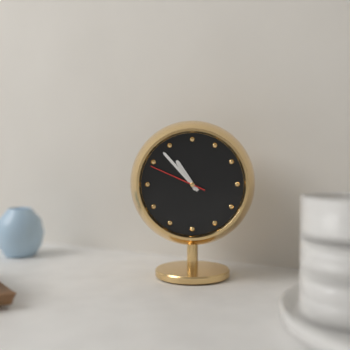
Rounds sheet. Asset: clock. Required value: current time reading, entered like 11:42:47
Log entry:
10:53:49
